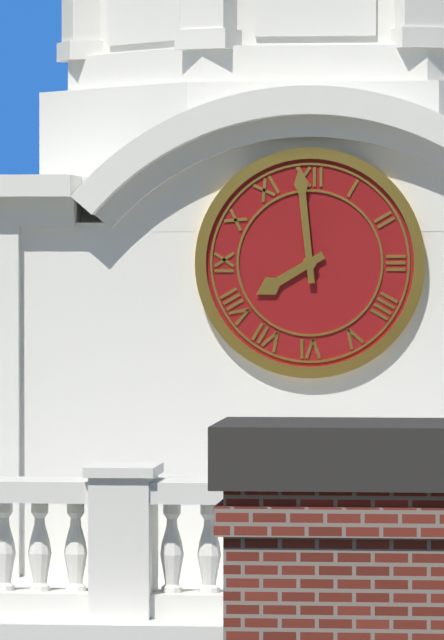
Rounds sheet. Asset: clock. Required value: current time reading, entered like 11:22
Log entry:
7:59
